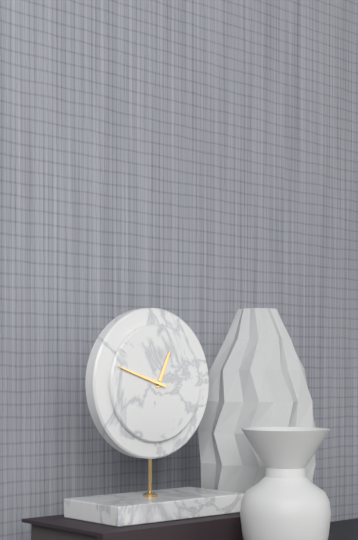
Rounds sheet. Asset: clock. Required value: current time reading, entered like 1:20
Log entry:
12:48
